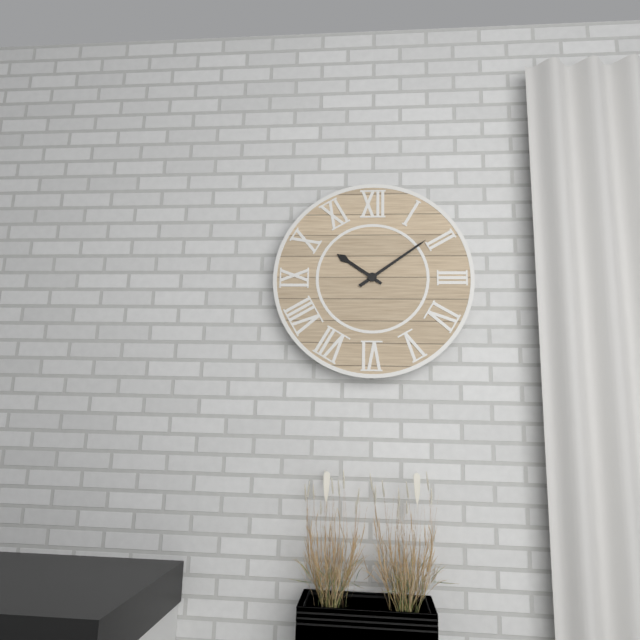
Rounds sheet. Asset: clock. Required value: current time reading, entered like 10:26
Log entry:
10:09
